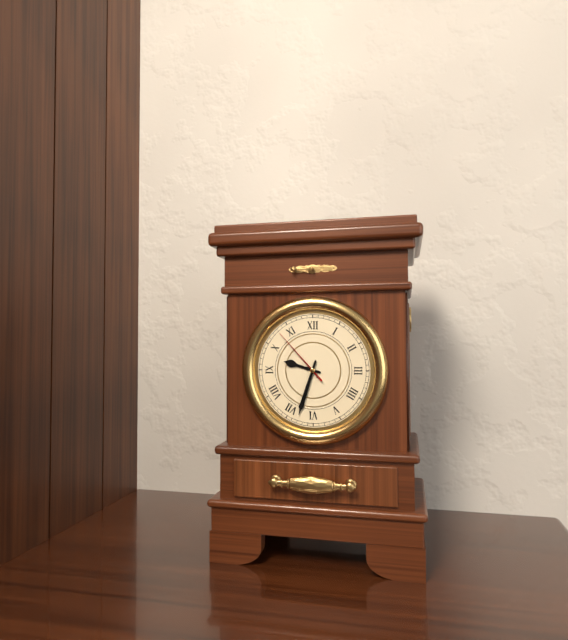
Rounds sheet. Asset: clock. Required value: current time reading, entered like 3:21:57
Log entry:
9:33:53
